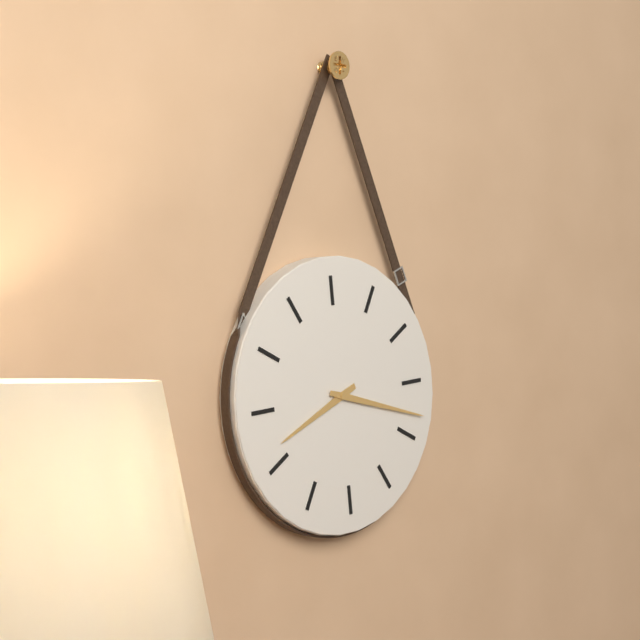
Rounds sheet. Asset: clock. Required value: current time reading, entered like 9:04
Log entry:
8:18
